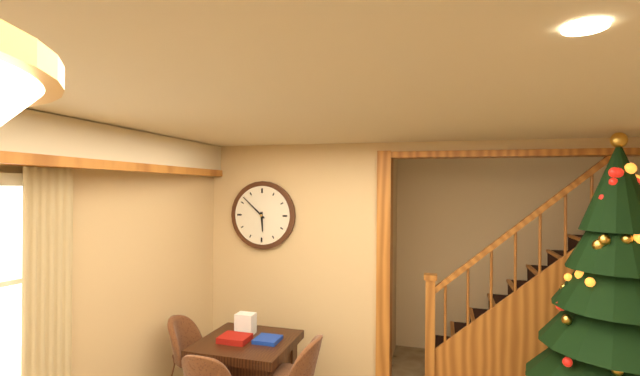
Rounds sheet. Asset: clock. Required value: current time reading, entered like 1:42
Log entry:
5:52
